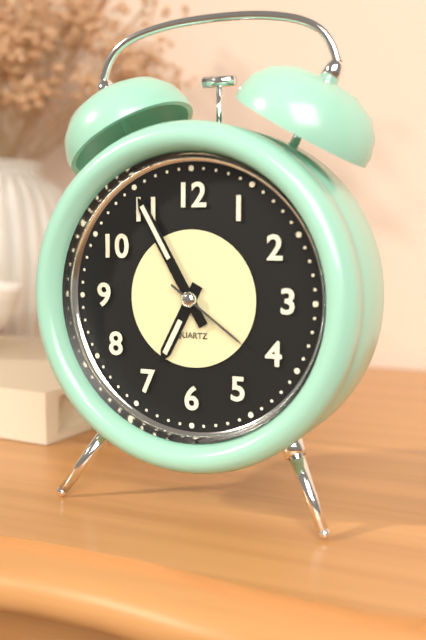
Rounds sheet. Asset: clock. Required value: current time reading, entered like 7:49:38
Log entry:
6:55:21
